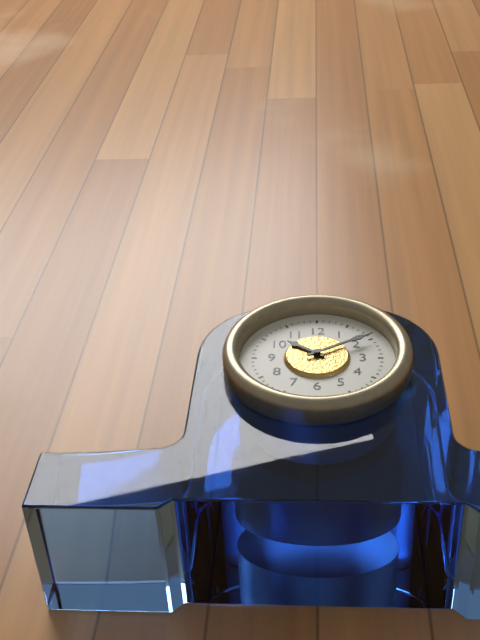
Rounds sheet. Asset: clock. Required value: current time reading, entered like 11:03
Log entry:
10:10
